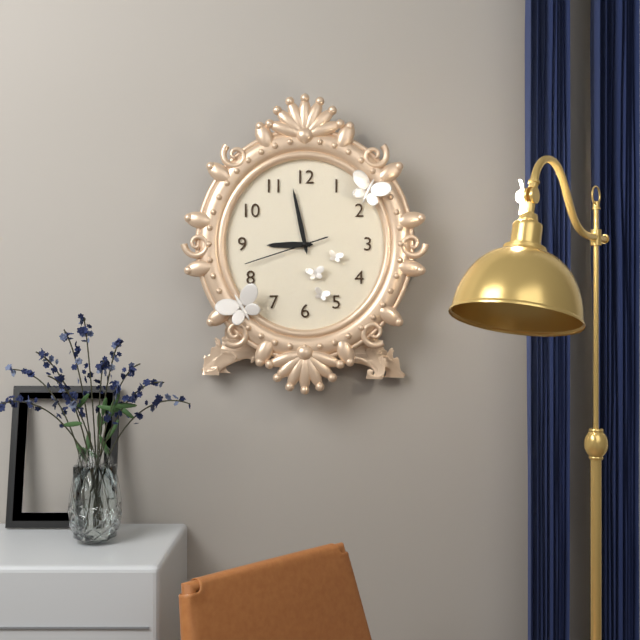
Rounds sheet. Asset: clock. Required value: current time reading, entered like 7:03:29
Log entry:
8:58:42
